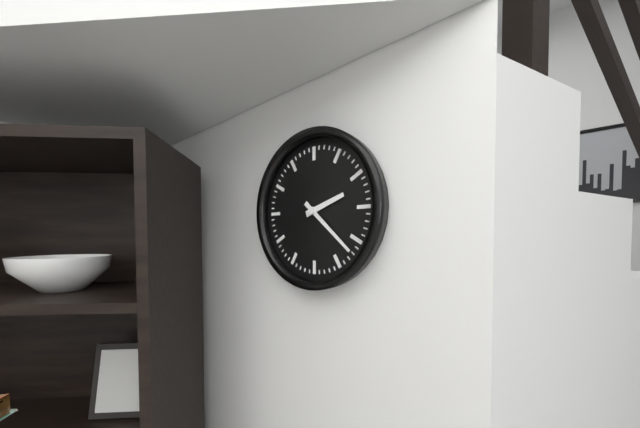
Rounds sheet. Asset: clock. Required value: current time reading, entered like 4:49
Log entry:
2:22
